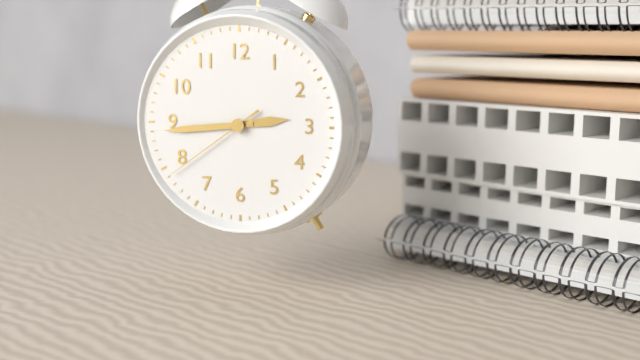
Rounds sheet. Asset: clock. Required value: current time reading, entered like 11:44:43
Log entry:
2:44:39
